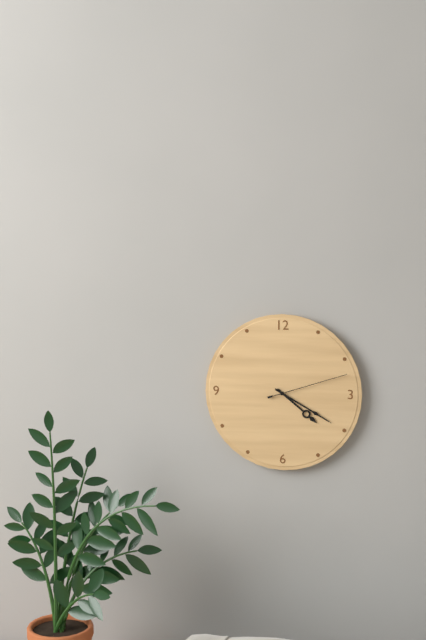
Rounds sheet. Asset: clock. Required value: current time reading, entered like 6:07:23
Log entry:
4:20:12
